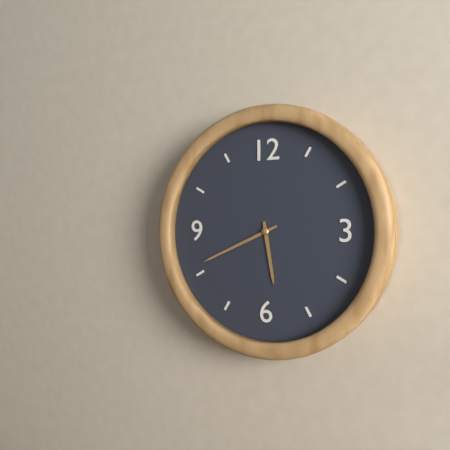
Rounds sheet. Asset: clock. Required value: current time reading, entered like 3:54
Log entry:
5:41
